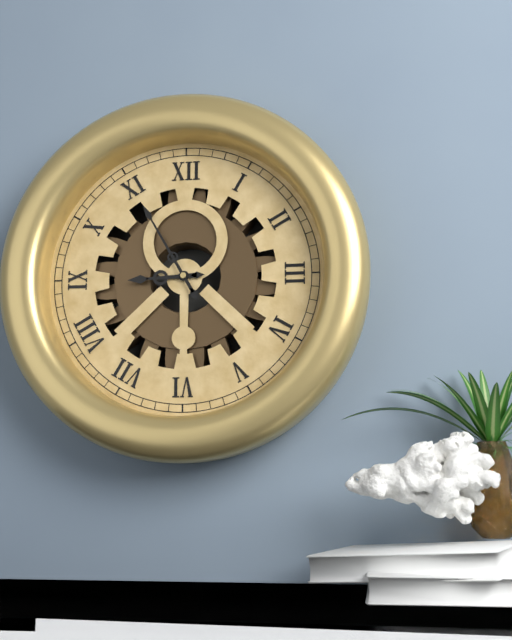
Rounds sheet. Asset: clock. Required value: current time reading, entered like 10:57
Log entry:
8:55
